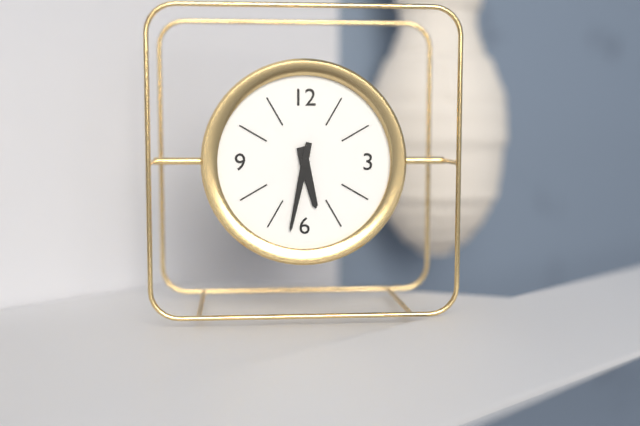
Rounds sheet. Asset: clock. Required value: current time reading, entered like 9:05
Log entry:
5:32
